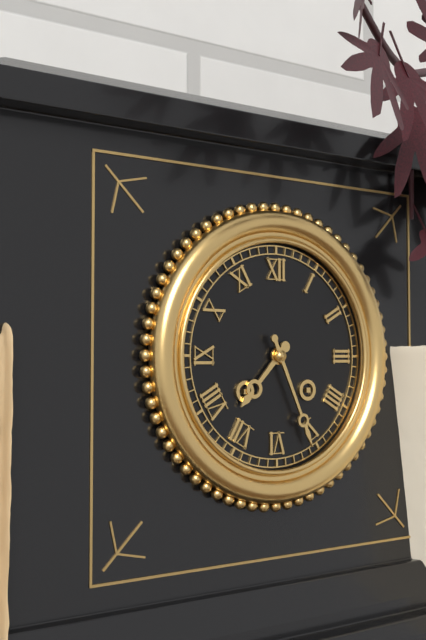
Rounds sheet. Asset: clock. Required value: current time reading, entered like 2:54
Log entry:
7:26
